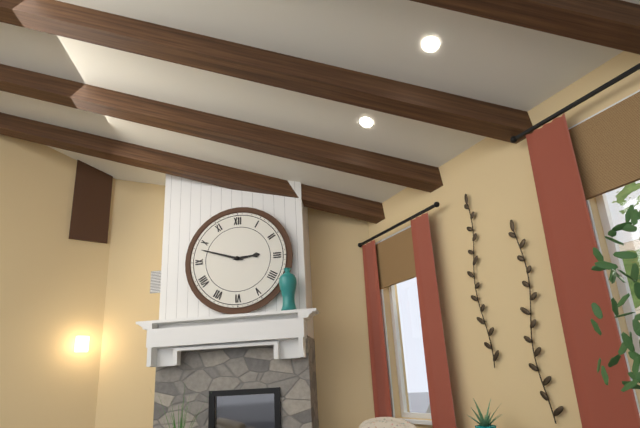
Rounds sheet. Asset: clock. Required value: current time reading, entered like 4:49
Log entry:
2:48
